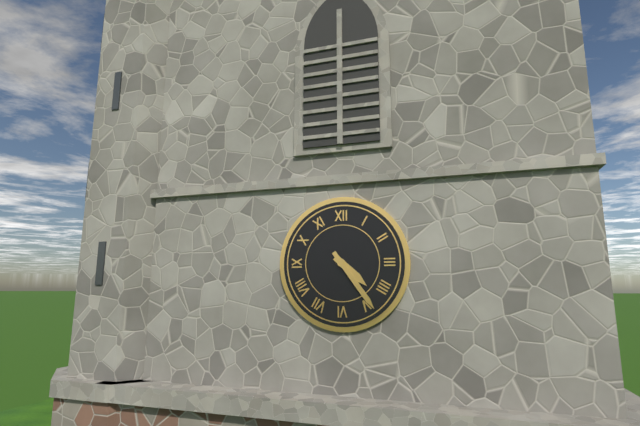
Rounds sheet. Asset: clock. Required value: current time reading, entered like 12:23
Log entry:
4:24
